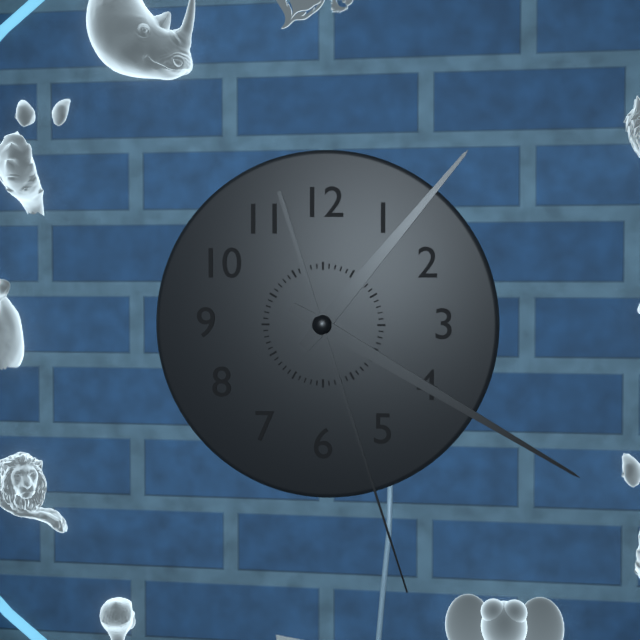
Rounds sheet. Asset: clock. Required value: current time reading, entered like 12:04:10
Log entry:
1:20:27
